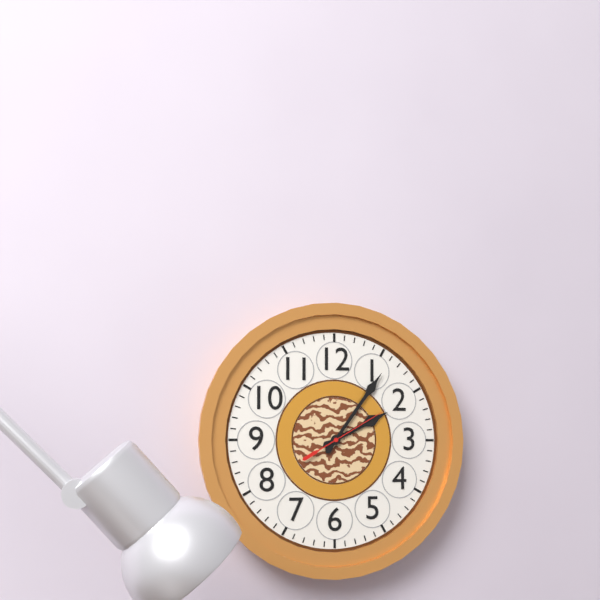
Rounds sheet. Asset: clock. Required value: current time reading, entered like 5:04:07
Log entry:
2:06:10
